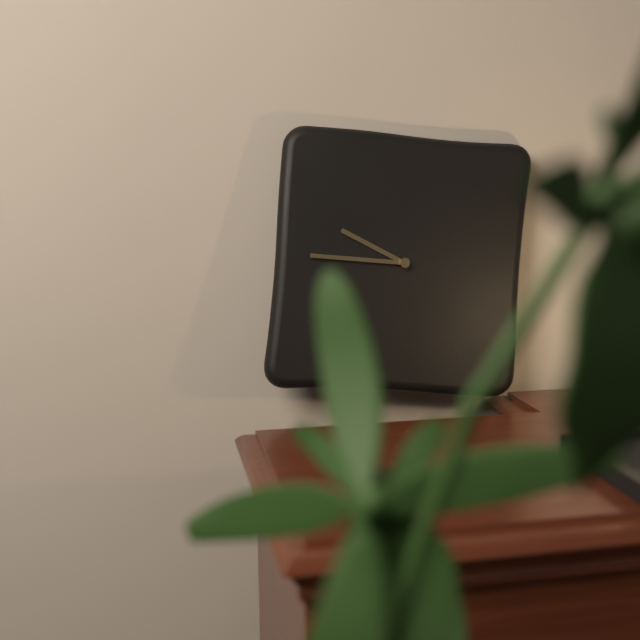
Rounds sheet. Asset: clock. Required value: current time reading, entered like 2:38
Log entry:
9:45
